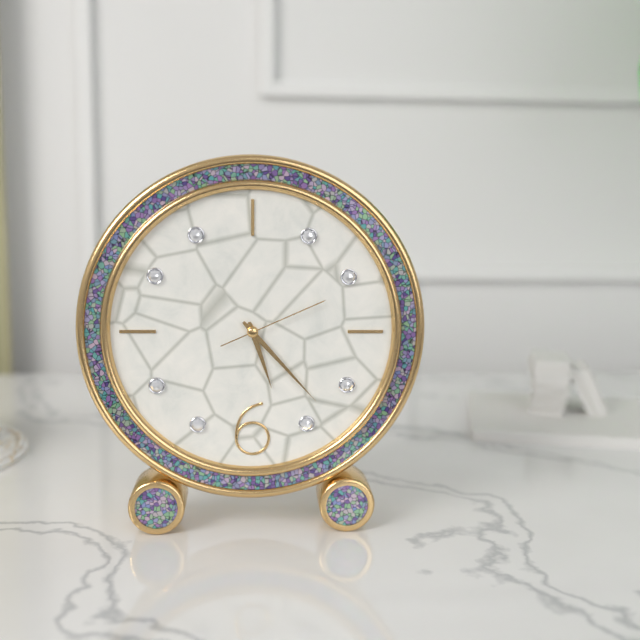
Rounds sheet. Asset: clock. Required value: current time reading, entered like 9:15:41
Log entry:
5:23:11
